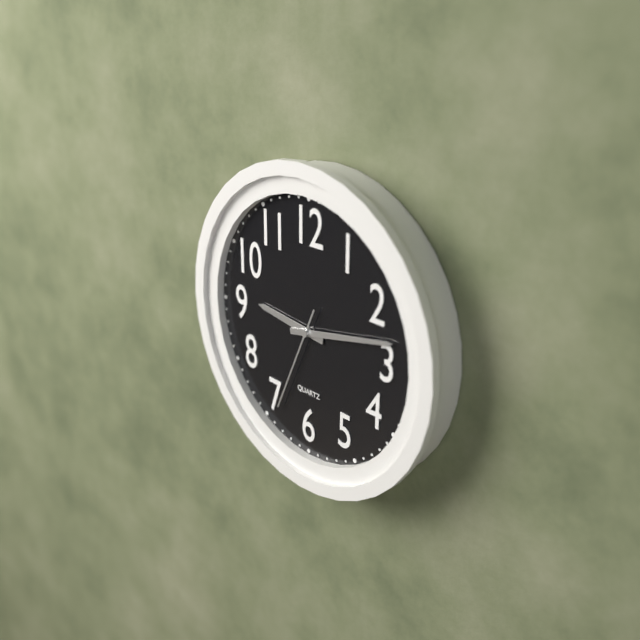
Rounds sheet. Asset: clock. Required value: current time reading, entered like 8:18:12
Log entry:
9:13:34
